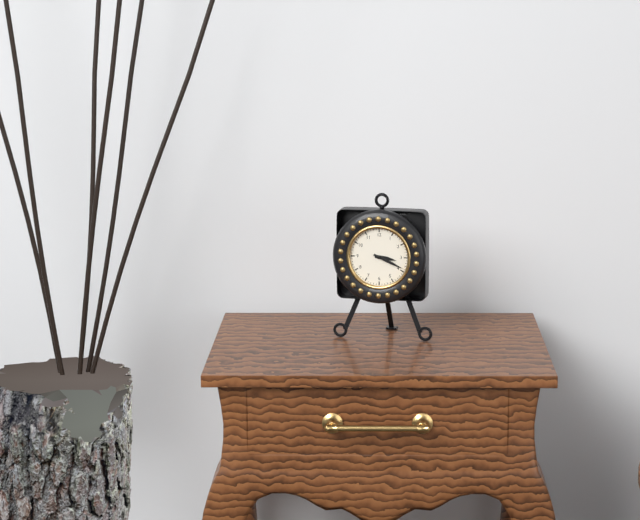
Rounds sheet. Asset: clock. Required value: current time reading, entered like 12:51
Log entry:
3:19
